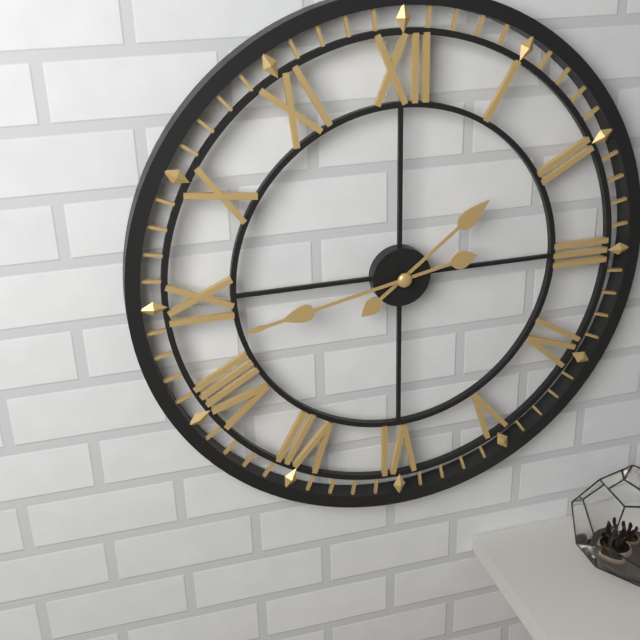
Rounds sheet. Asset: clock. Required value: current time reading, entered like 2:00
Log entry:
1:43
